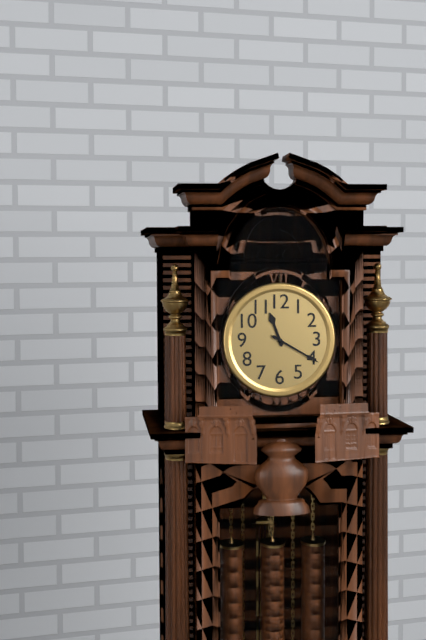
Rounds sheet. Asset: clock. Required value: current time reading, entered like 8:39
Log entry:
11:20
